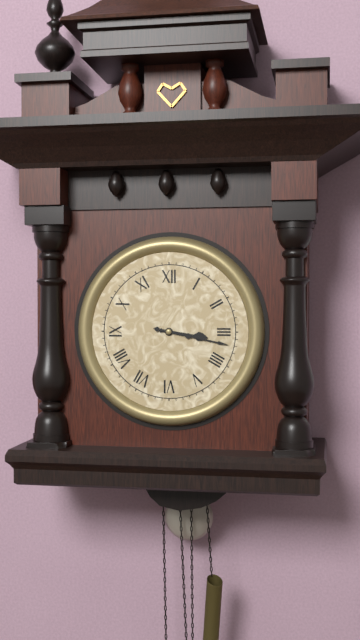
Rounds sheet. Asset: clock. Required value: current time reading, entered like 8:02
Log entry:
3:17
